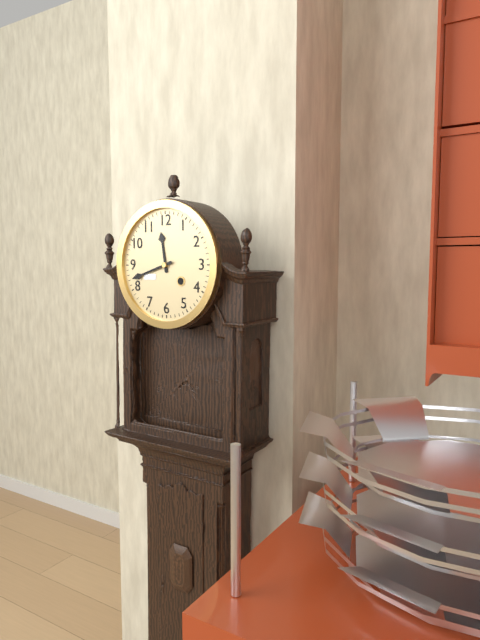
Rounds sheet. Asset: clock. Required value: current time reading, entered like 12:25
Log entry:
11:42
